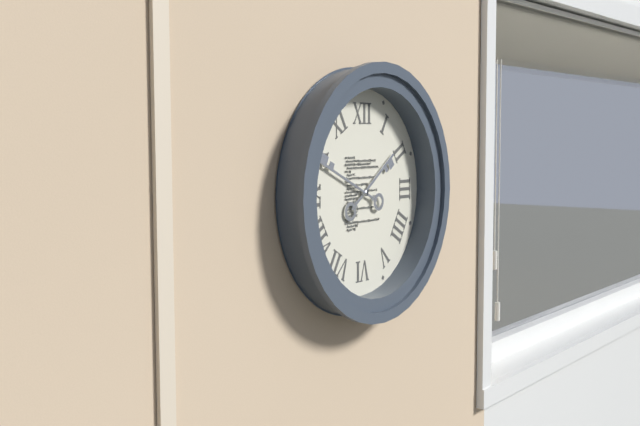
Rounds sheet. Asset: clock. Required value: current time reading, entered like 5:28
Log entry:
1:49
